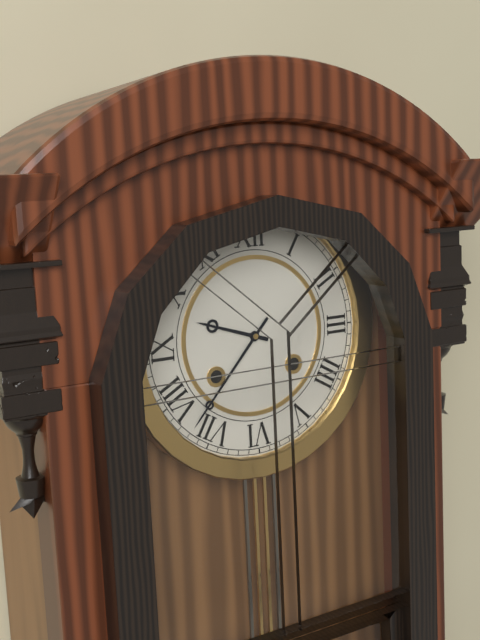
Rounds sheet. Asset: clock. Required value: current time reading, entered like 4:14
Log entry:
9:37
